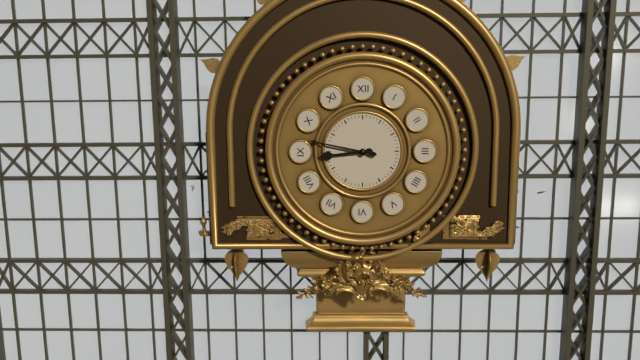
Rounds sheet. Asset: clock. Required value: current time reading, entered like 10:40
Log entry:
8:47
